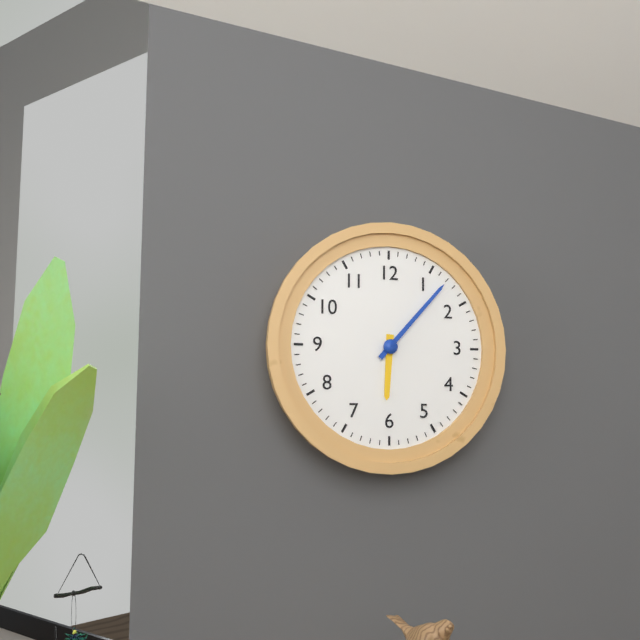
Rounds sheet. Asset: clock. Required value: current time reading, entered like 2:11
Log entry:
6:07
